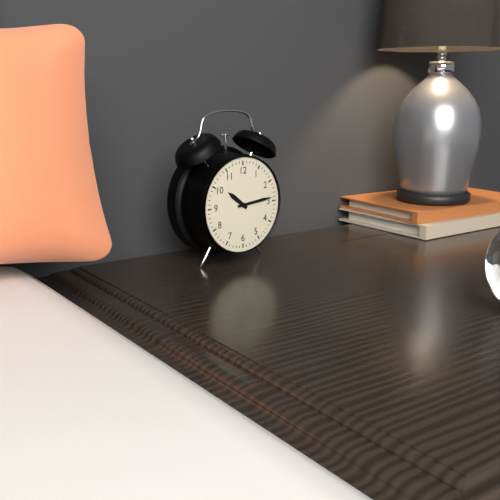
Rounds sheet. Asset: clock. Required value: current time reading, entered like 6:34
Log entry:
10:14
